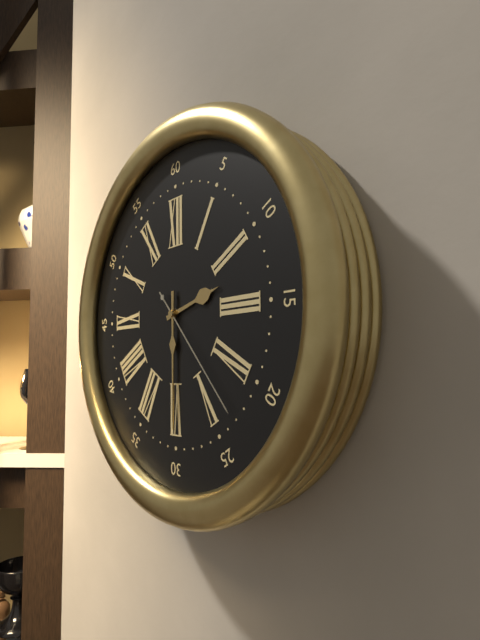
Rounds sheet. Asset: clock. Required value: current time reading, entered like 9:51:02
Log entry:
2:30:23
